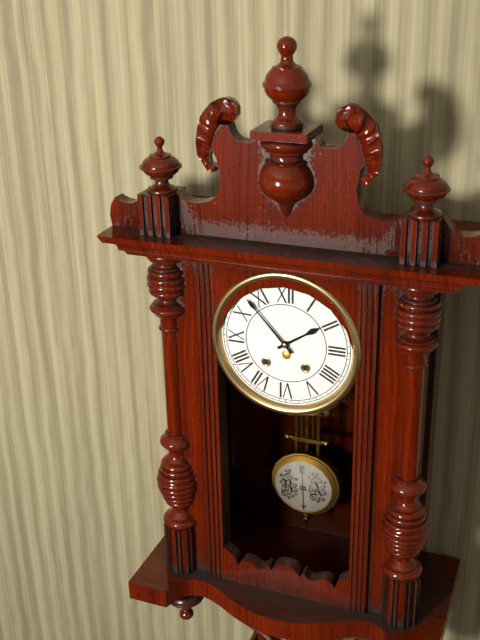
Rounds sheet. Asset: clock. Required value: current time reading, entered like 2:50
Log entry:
1:53
